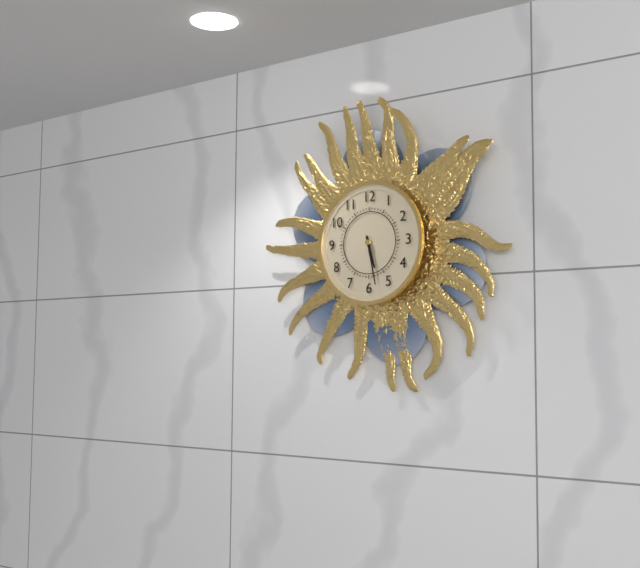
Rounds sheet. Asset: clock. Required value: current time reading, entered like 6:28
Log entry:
5:28
